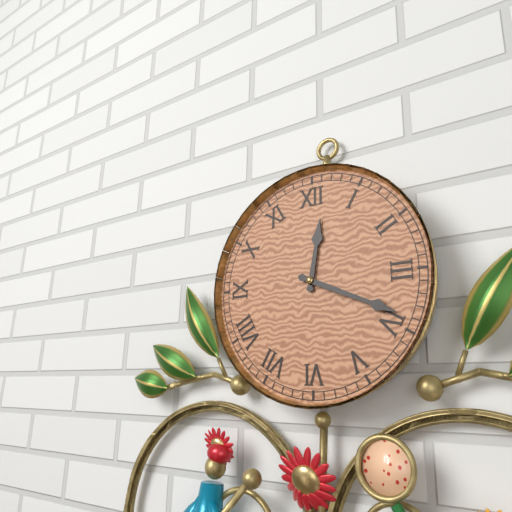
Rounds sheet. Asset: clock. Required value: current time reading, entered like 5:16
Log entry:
12:19
